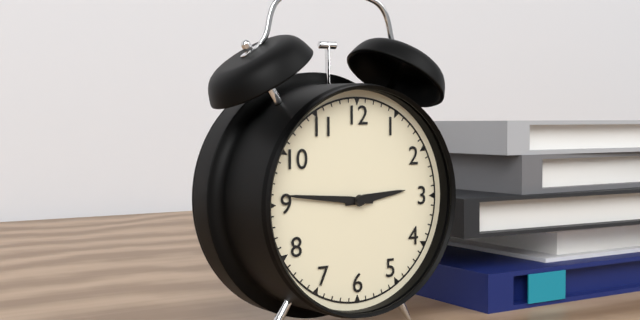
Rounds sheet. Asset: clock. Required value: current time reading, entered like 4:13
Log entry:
2:46
